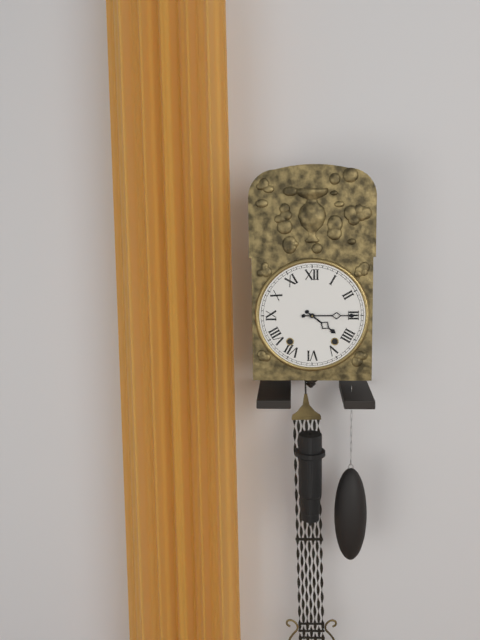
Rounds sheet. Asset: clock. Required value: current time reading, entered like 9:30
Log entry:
4:15
